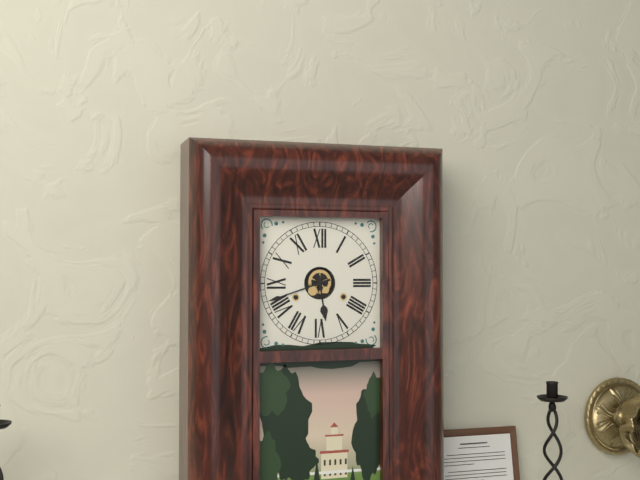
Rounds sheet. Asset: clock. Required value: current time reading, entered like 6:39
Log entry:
5:42
